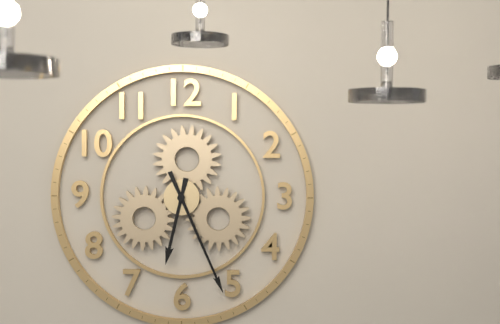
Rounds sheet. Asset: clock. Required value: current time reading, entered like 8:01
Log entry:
6:26
